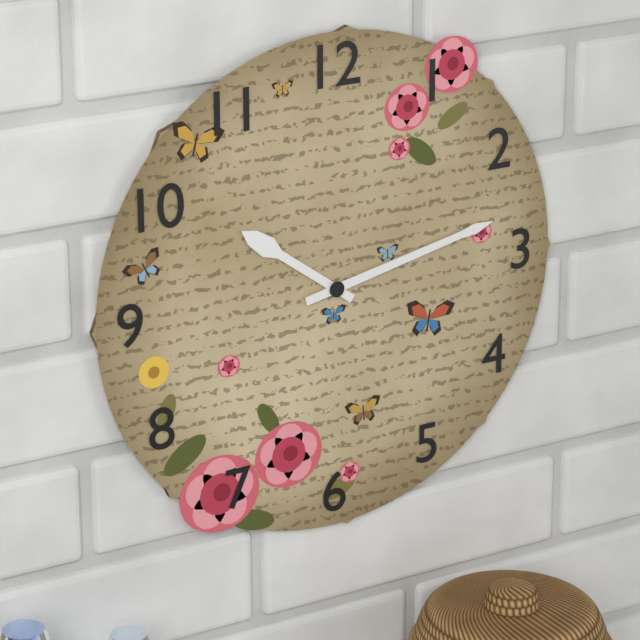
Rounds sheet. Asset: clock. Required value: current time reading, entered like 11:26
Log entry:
10:13
